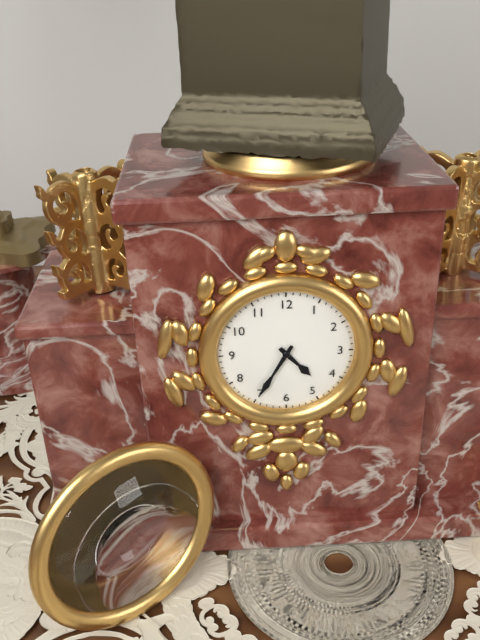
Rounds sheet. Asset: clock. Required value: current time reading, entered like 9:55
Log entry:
4:35
